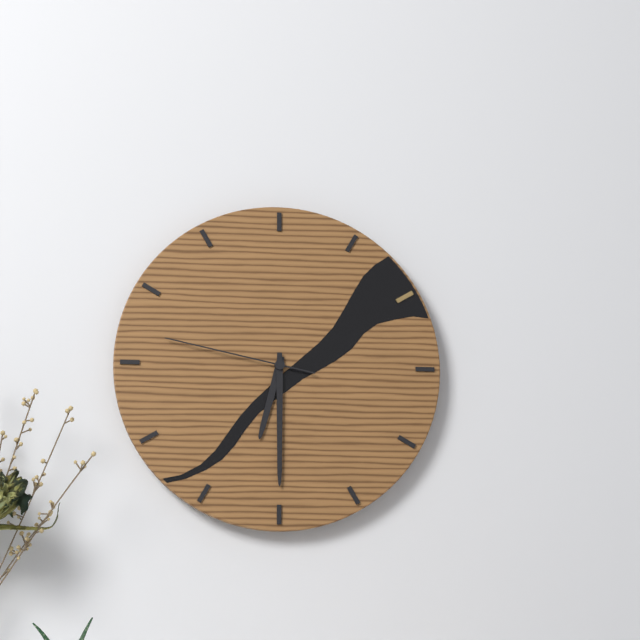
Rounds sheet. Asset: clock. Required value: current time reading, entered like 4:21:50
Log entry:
6:30:47
